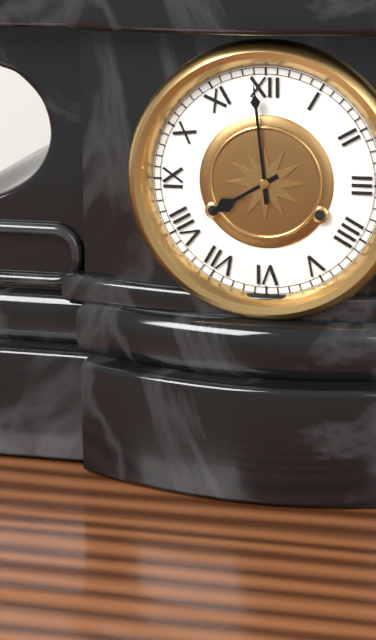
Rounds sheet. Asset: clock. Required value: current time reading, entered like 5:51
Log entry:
7:59
